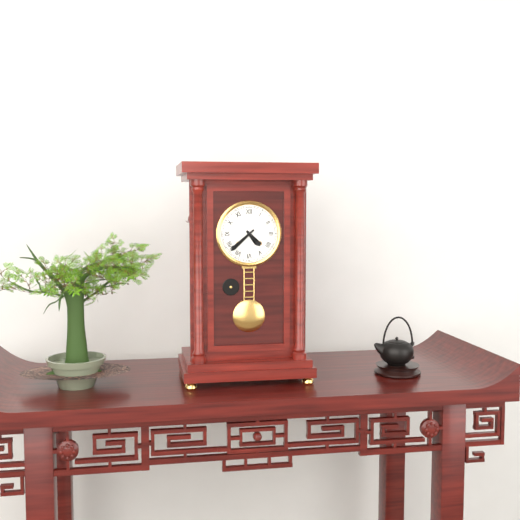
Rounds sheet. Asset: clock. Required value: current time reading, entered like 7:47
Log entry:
4:38
